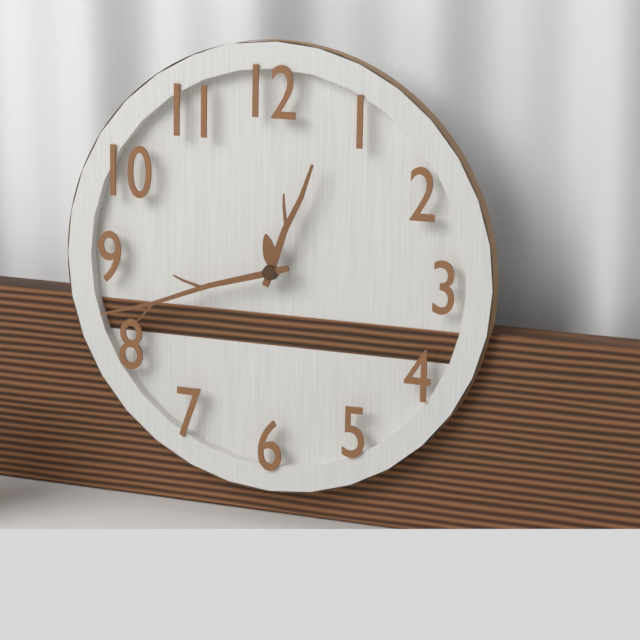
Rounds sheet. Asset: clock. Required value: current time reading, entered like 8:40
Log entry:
12:42
